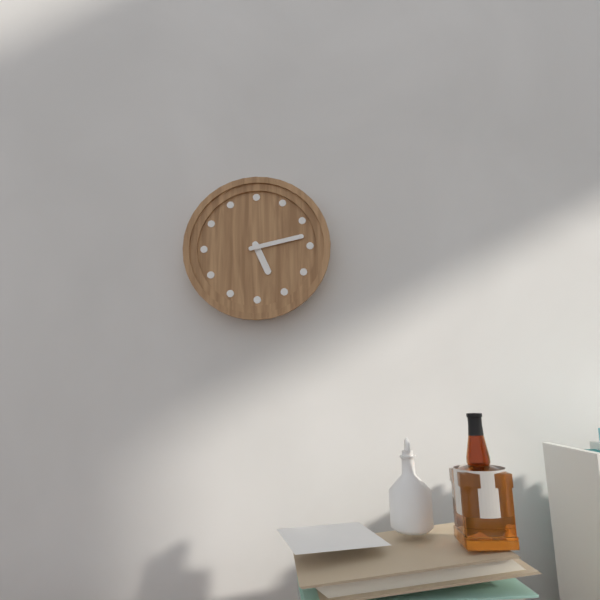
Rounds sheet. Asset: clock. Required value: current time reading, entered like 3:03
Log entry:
5:13
